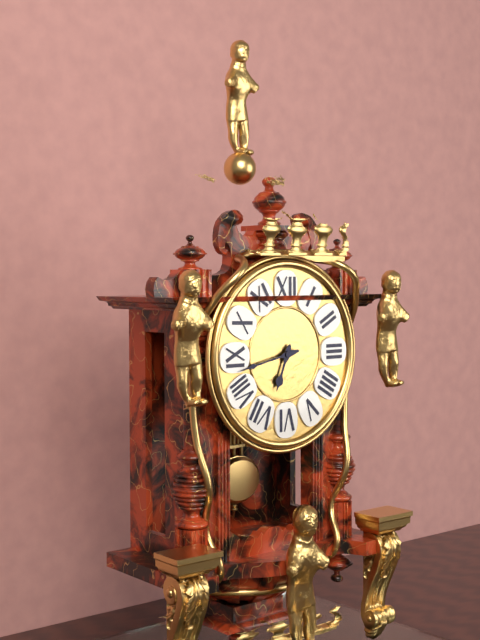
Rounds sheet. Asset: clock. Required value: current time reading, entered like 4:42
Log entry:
6:43
